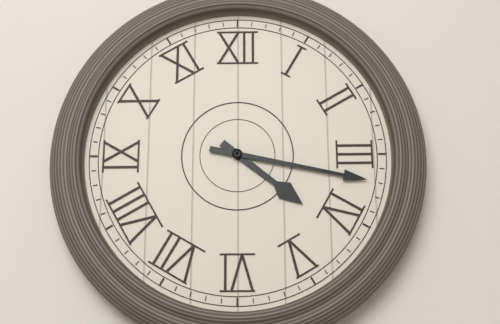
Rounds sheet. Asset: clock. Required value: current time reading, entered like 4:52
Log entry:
4:17
